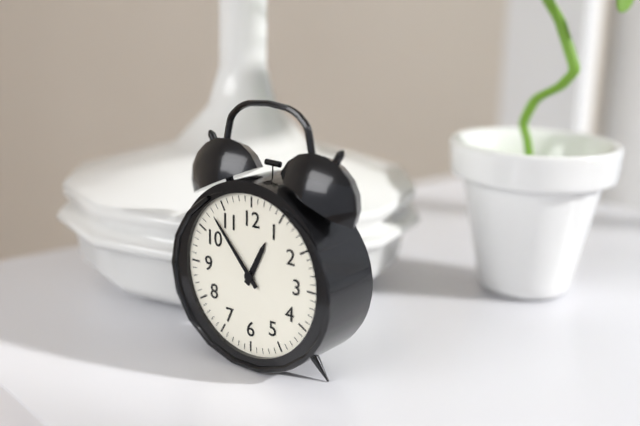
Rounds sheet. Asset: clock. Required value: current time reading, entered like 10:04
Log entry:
12:53
